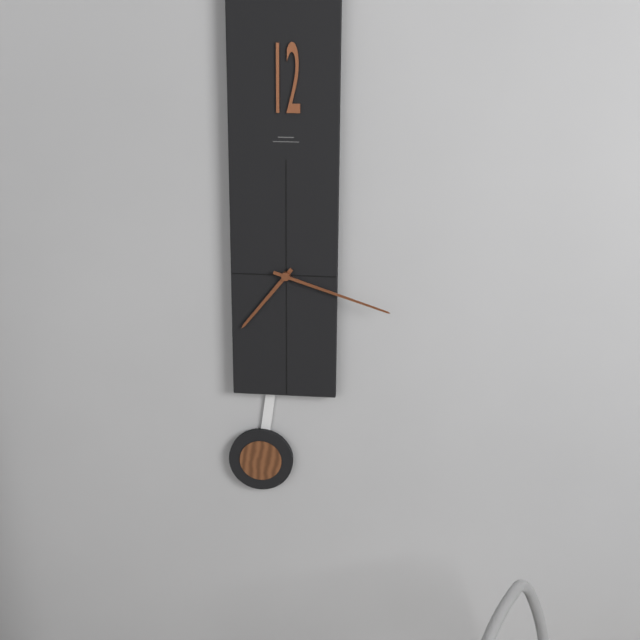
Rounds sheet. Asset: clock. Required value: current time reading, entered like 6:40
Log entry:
7:18
